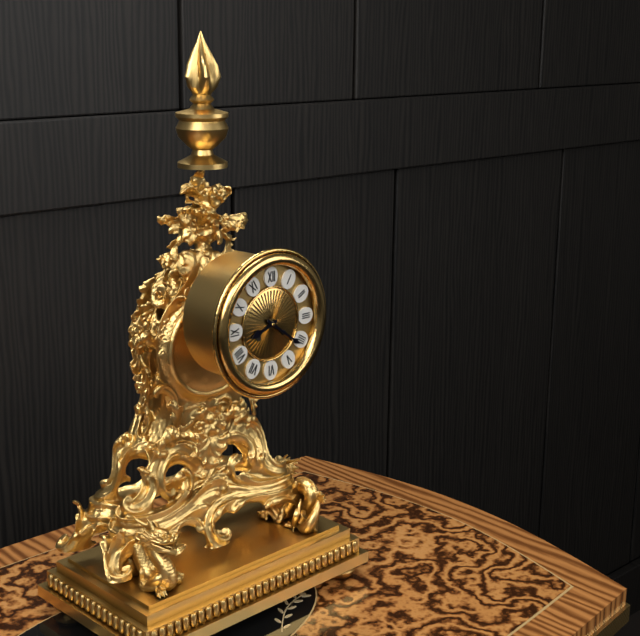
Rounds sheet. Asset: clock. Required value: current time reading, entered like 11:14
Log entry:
8:21
